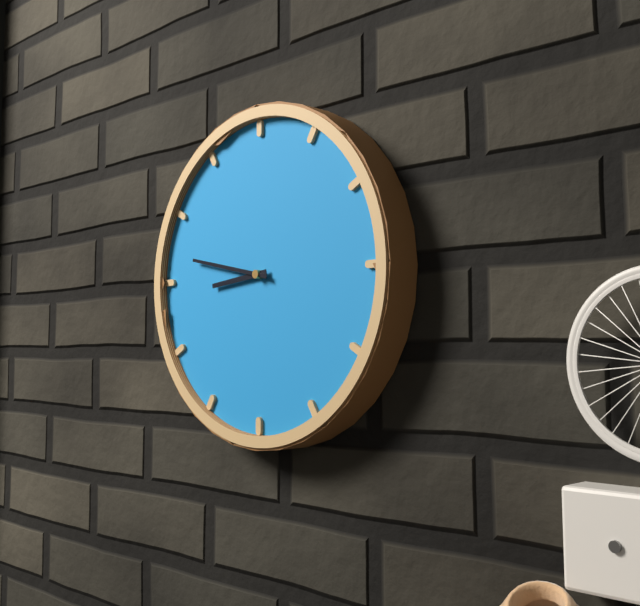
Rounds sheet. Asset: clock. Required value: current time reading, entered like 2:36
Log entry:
8:47
